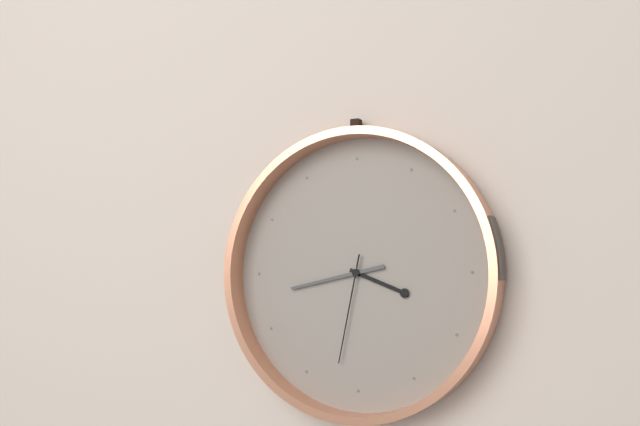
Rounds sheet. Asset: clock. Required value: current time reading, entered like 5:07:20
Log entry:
3:43:32
